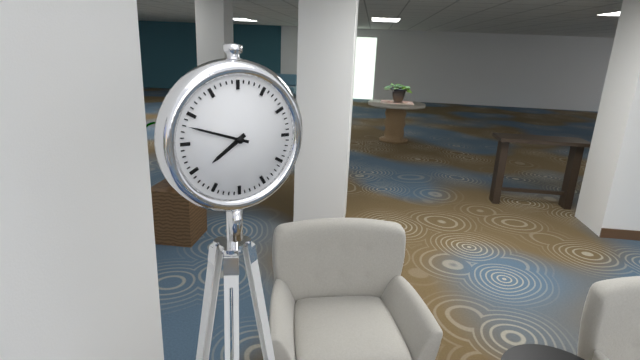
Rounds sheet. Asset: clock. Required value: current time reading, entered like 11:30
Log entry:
7:48
